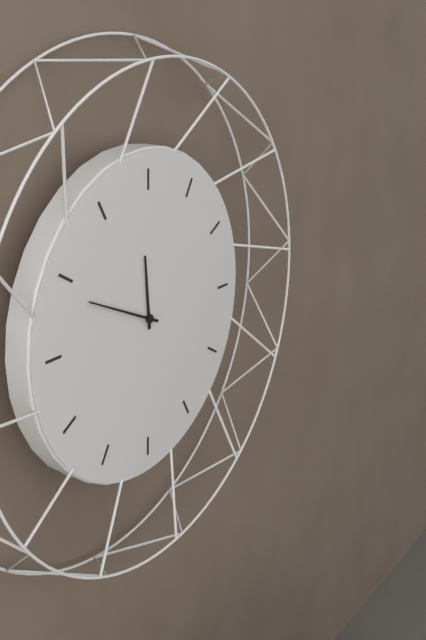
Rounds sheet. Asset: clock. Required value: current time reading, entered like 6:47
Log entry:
11:49
